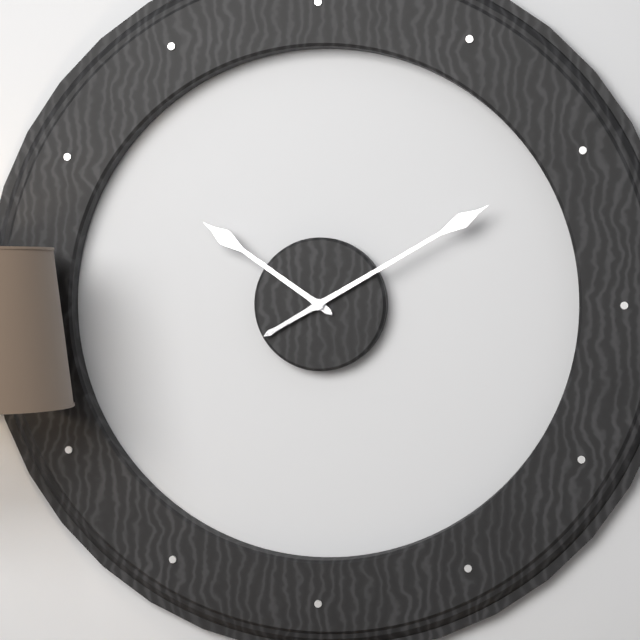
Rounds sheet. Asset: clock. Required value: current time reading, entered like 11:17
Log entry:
10:10
